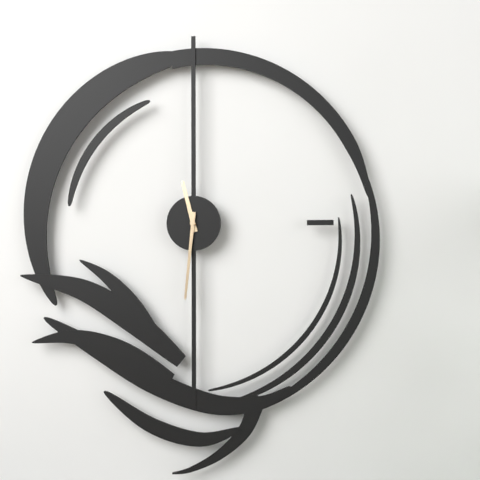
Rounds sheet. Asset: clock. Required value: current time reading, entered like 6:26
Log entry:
11:31
